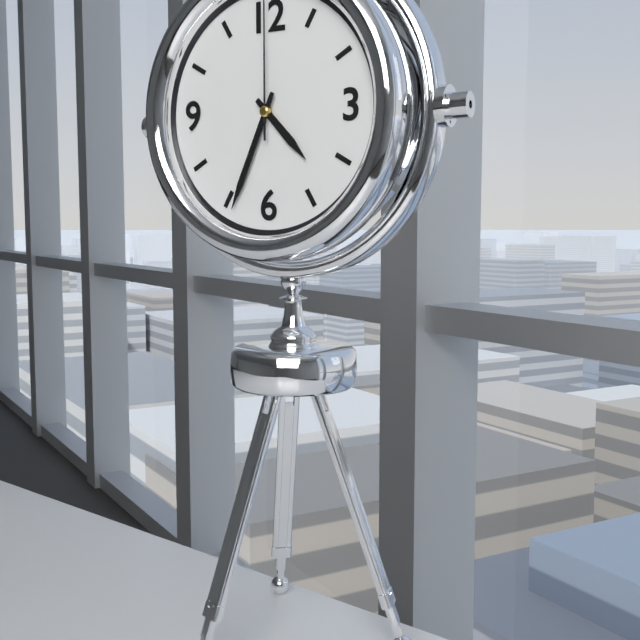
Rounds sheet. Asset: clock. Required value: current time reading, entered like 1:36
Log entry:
4:34
